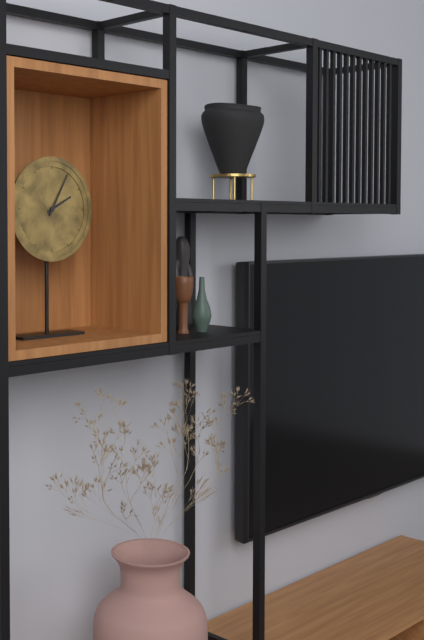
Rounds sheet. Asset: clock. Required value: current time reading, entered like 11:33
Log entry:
2:05
